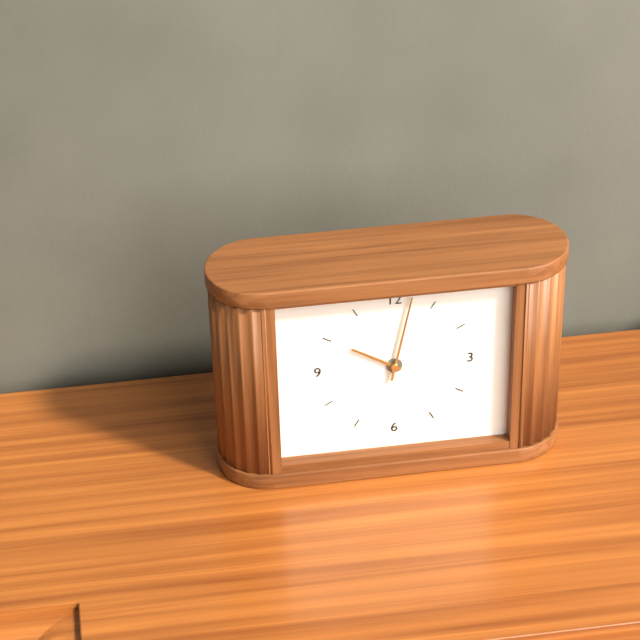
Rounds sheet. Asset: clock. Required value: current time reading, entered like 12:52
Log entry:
10:02
